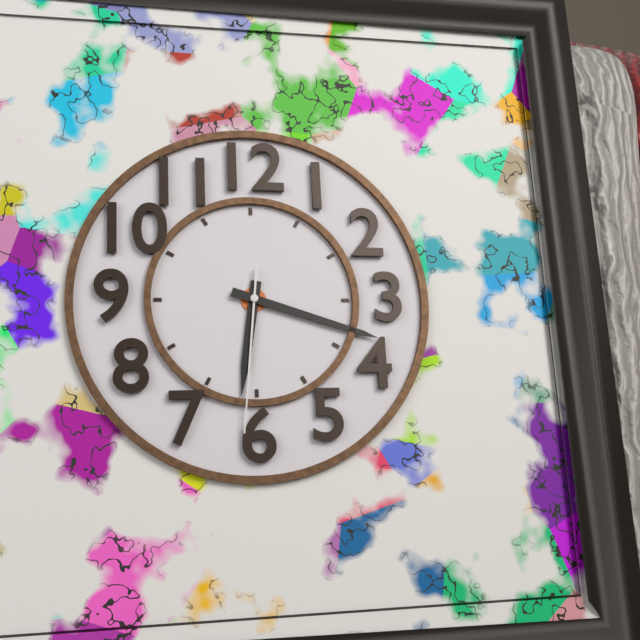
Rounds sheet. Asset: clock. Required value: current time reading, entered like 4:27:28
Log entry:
6:18:31
